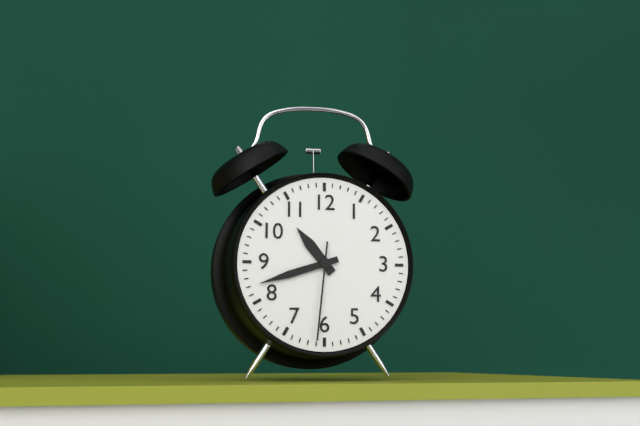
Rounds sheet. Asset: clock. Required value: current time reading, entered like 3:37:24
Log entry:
10:42:31
